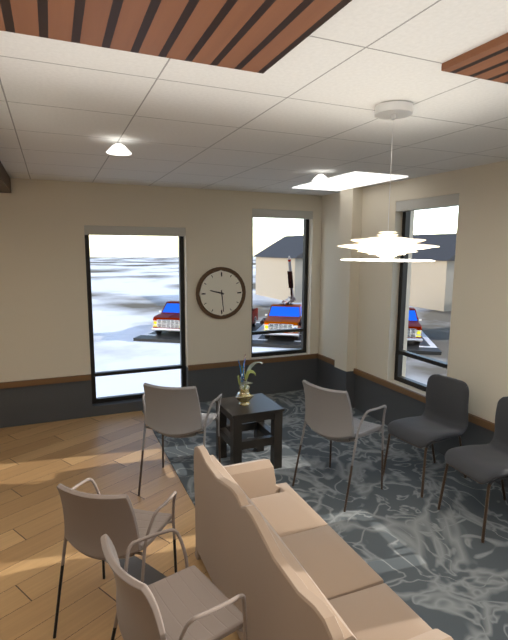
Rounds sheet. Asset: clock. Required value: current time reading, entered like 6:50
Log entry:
9:29
